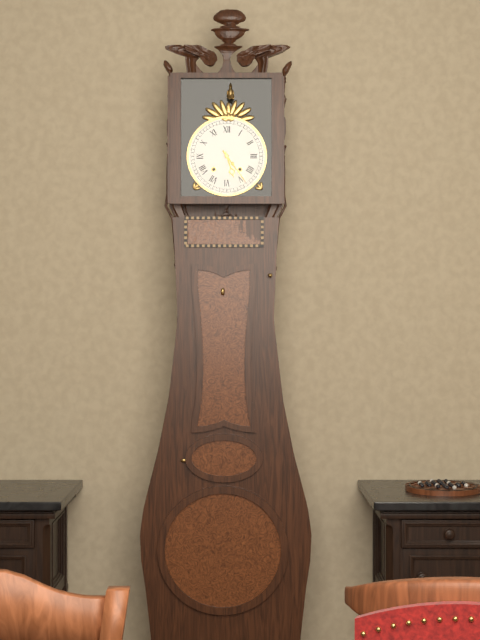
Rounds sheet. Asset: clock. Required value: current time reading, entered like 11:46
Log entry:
5:24
